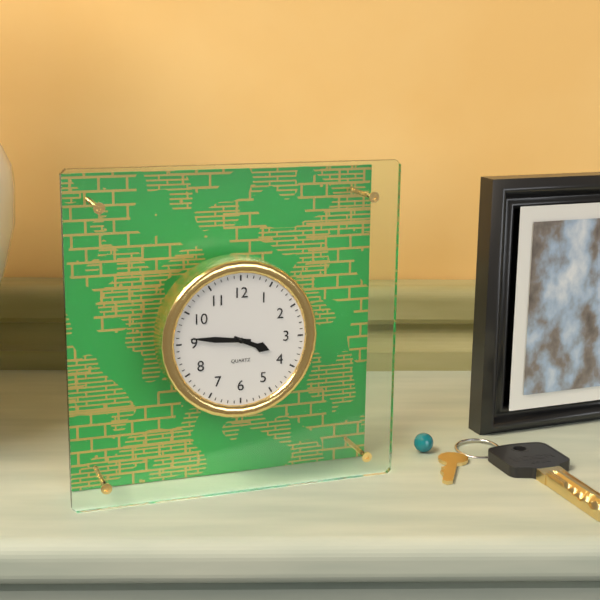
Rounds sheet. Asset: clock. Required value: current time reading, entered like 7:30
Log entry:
3:46
